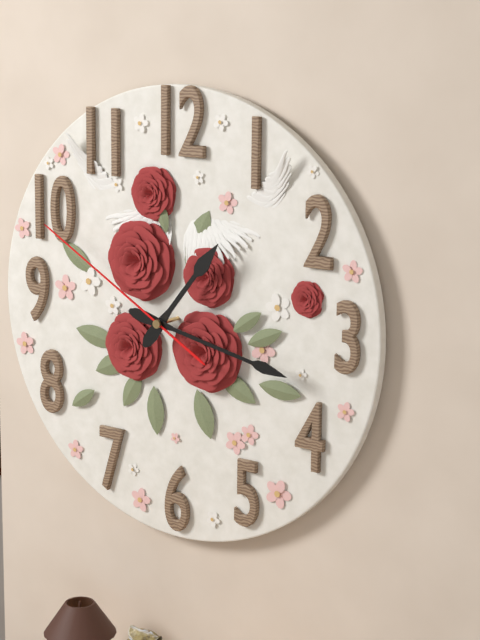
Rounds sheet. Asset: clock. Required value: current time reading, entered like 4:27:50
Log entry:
1:17:50
